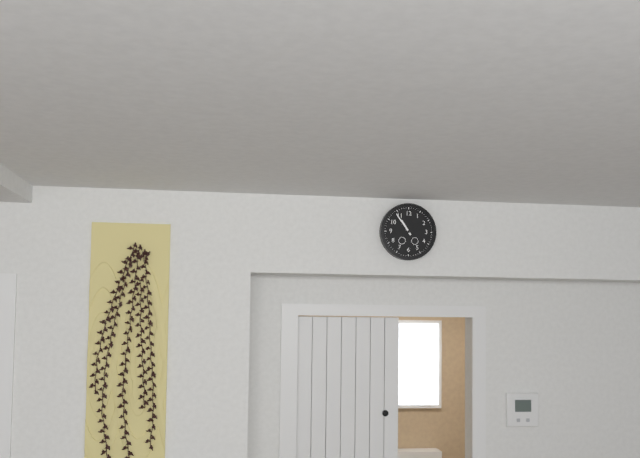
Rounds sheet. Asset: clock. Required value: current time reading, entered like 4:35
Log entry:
10:54
